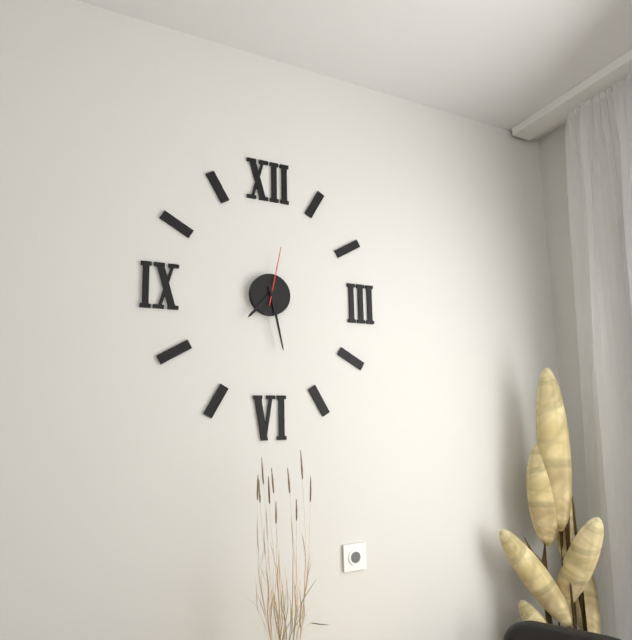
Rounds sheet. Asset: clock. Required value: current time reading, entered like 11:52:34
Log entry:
7:28:02
